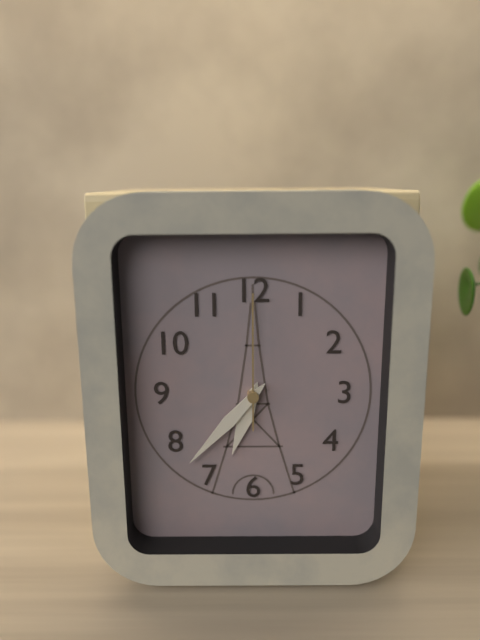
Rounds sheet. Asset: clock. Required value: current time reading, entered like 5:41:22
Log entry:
6:37:00
